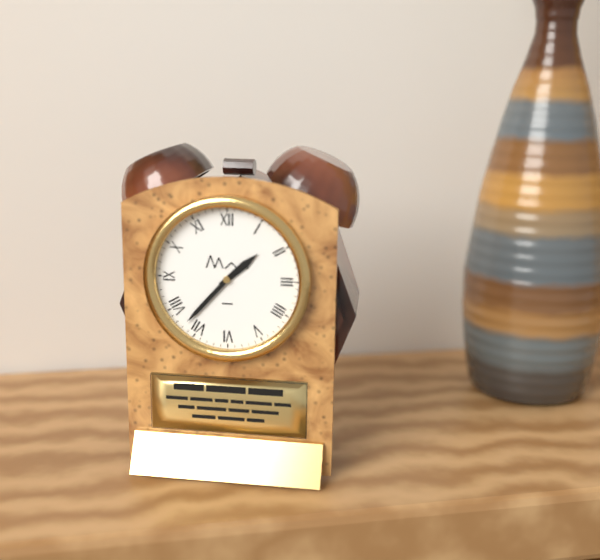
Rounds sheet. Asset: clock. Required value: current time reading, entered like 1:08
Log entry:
1:37
